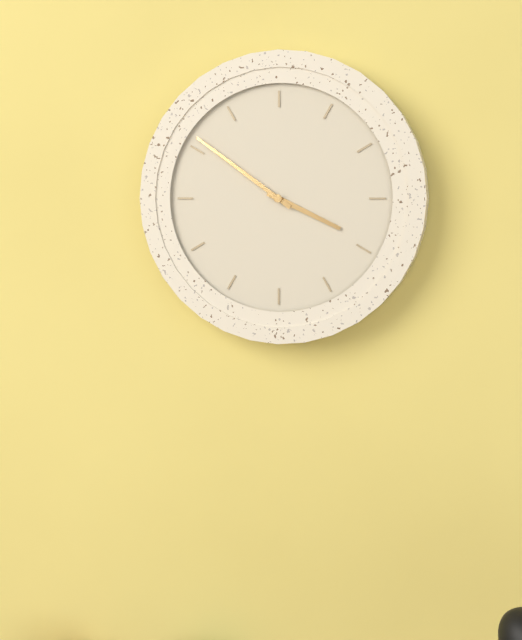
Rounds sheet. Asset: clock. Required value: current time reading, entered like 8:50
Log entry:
3:51
